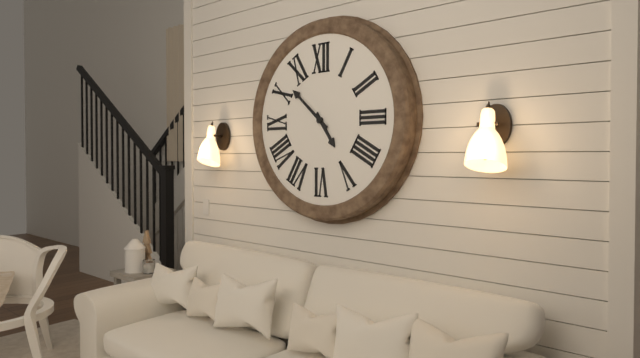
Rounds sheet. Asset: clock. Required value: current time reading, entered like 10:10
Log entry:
4:52
